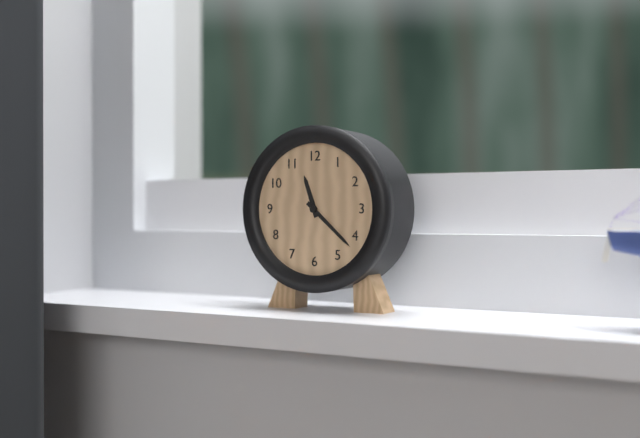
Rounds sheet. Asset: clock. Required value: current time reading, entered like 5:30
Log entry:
11:22
